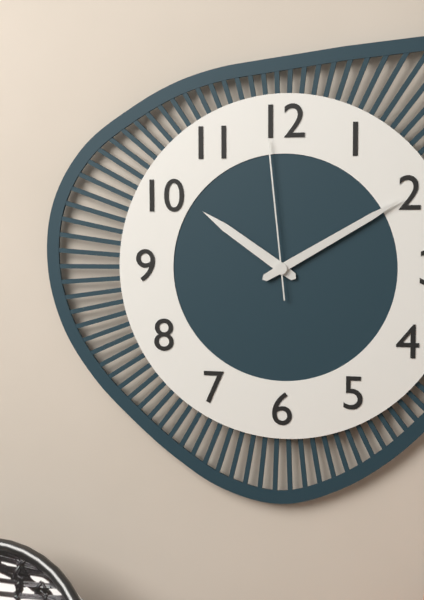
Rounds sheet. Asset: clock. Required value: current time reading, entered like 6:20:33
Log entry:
10:10:59
